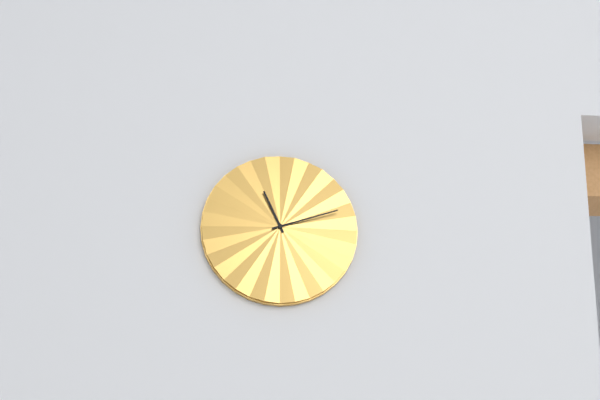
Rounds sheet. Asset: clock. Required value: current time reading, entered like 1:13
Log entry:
11:12
